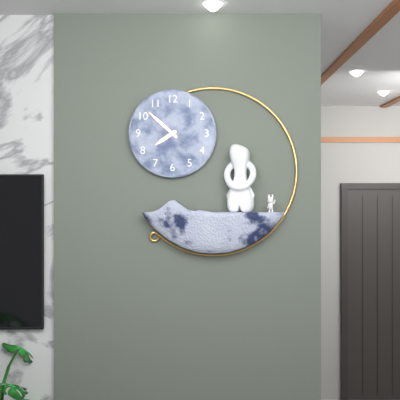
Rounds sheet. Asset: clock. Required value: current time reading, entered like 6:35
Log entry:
7:52
